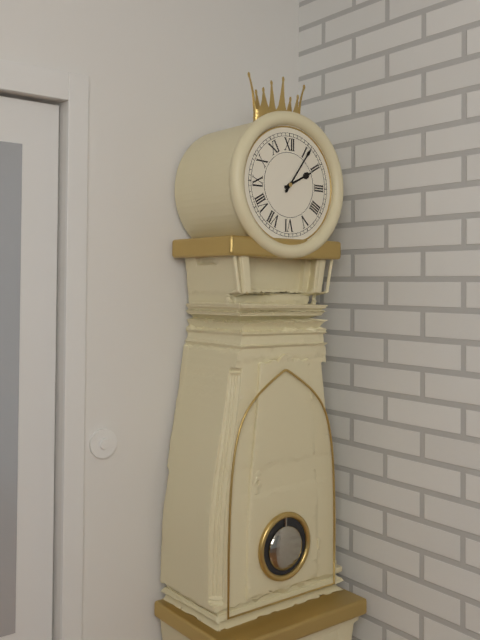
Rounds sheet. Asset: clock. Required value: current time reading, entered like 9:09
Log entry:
2:06
